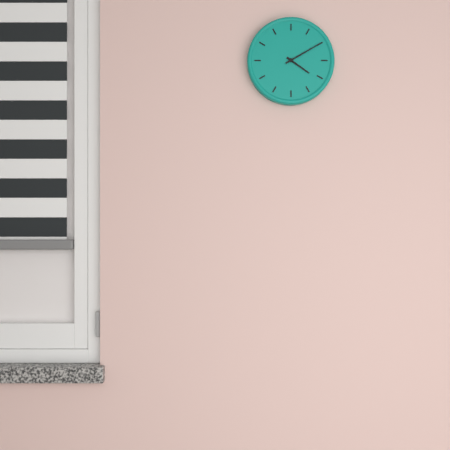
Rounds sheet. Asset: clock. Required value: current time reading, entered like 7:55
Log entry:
4:10
